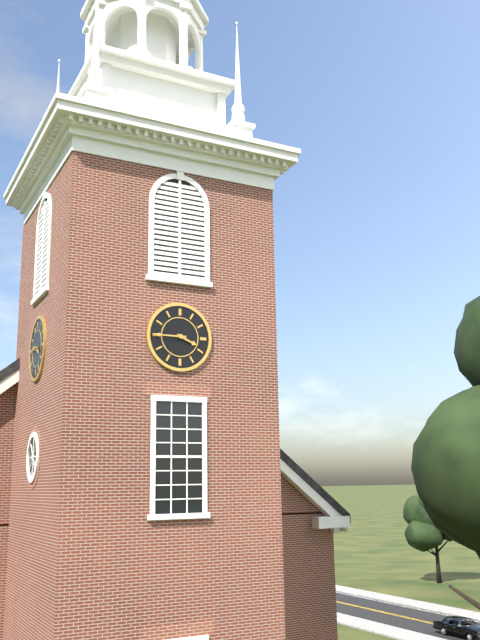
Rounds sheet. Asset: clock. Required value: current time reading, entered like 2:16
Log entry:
3:45
